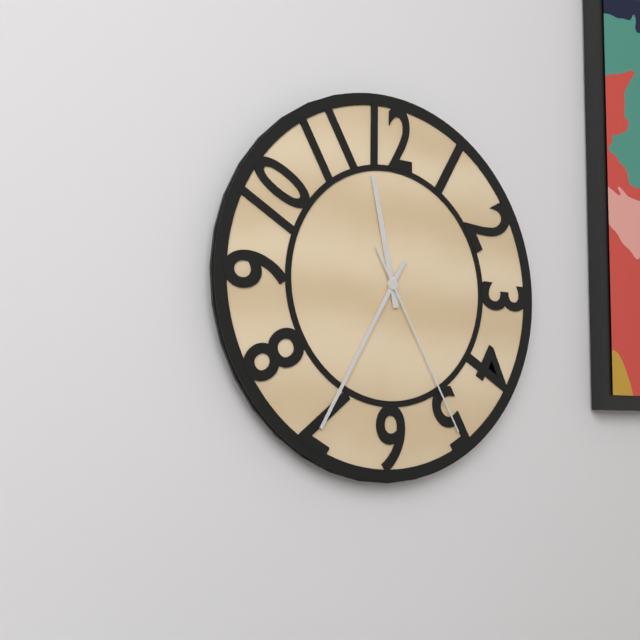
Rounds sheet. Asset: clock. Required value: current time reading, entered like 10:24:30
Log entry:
11:35:25
